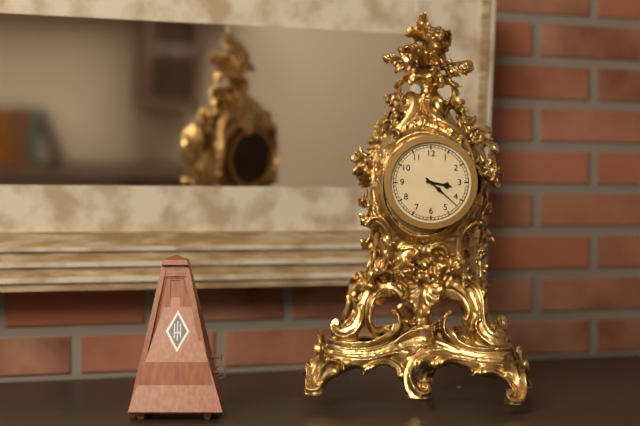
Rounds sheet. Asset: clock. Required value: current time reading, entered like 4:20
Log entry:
3:22
